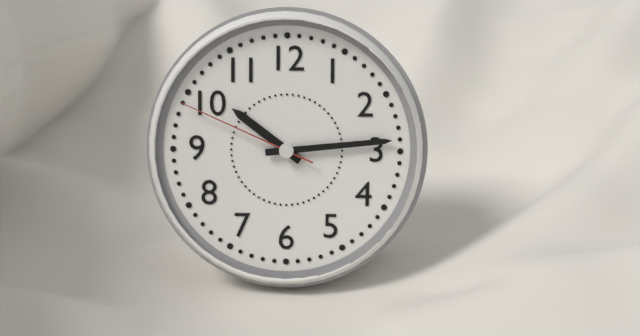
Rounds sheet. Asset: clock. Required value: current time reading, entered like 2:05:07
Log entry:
10:14:49
